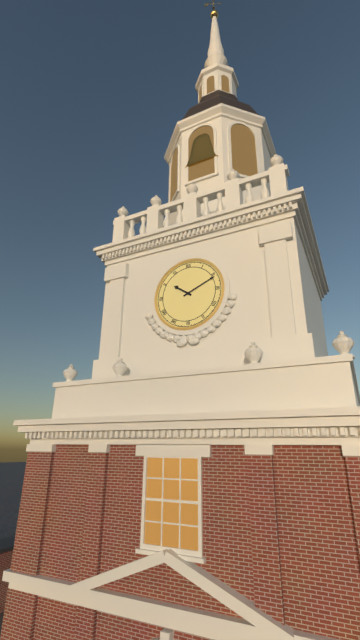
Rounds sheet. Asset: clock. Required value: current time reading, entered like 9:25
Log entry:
10:11
